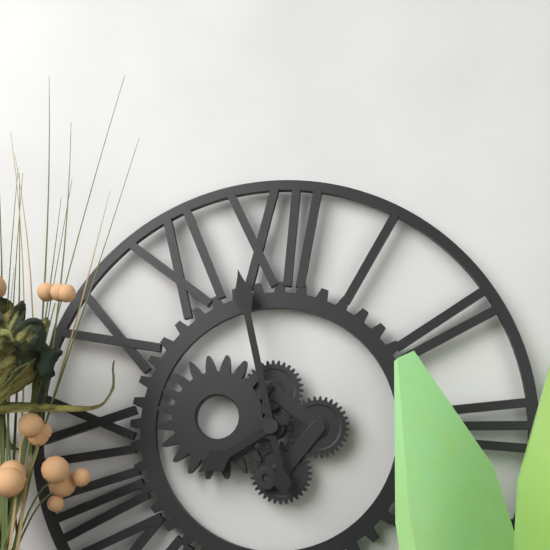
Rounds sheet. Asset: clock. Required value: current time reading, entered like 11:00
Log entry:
7:58
